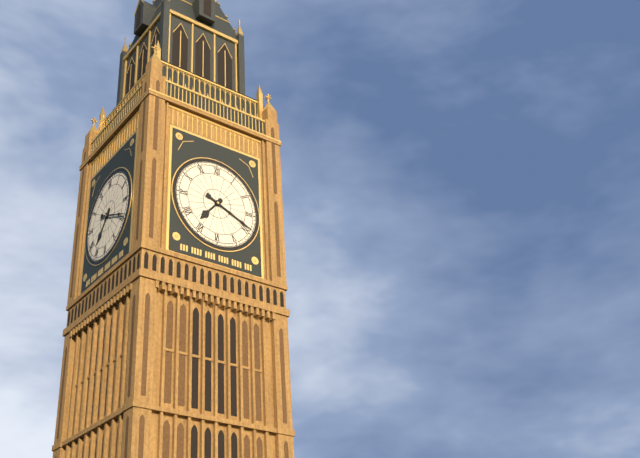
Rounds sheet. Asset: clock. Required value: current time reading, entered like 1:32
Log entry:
7:19
